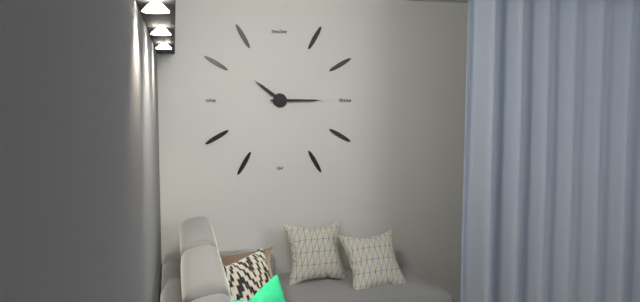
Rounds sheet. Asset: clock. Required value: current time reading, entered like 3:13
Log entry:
10:15
